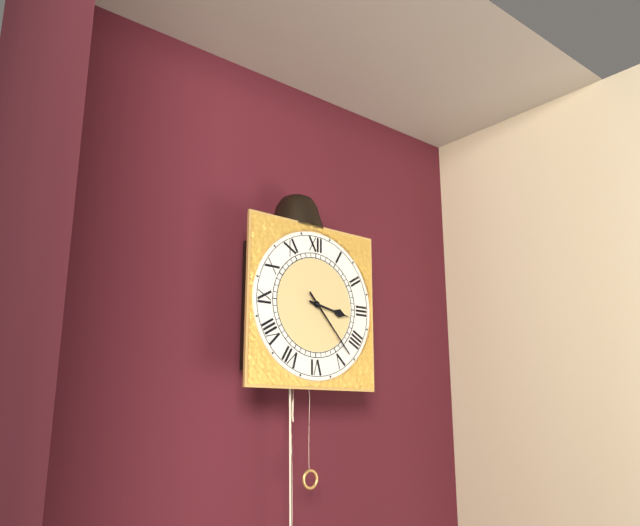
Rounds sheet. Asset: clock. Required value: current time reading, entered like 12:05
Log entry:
3:23
